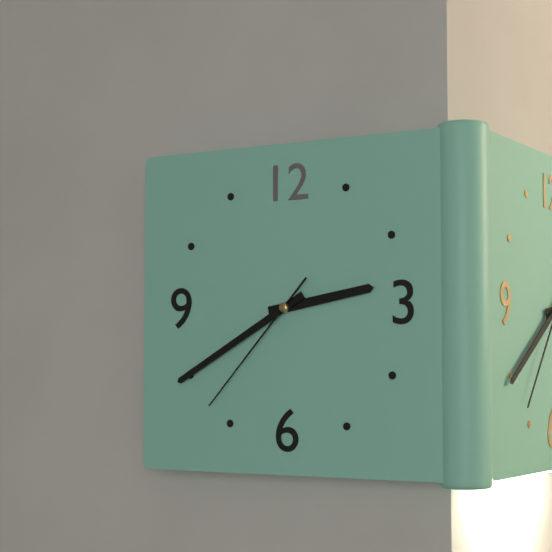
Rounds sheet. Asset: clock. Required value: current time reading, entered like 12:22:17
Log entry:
2:40:37
